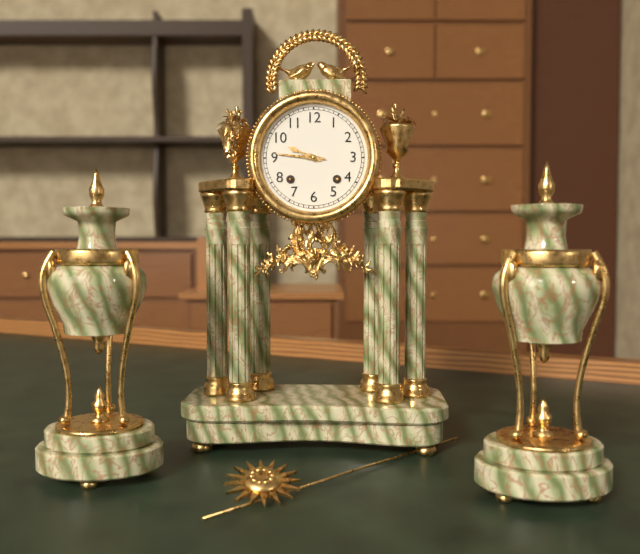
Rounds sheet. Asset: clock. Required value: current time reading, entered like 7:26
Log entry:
9:46
